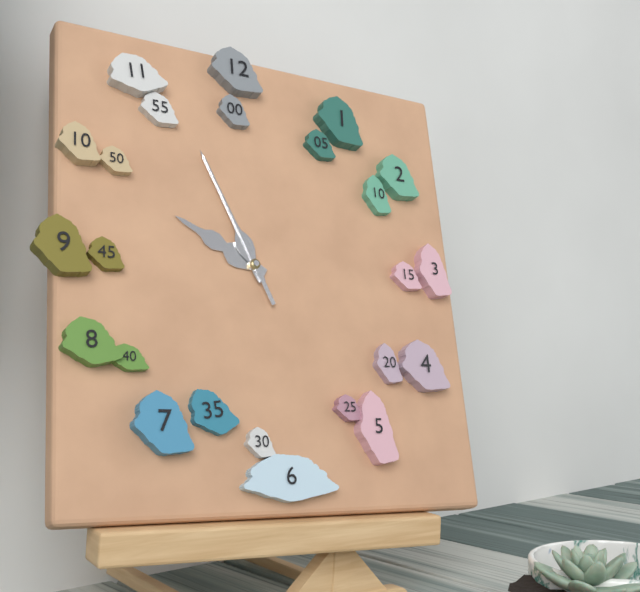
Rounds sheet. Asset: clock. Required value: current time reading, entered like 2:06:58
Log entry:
9:56:56
